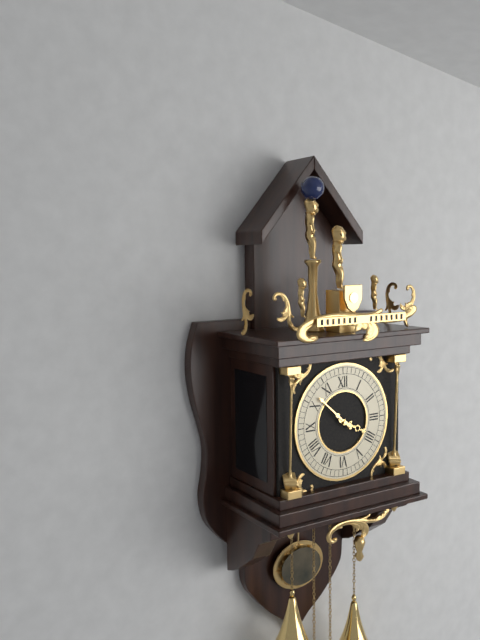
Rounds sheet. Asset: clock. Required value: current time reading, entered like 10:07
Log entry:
3:52
